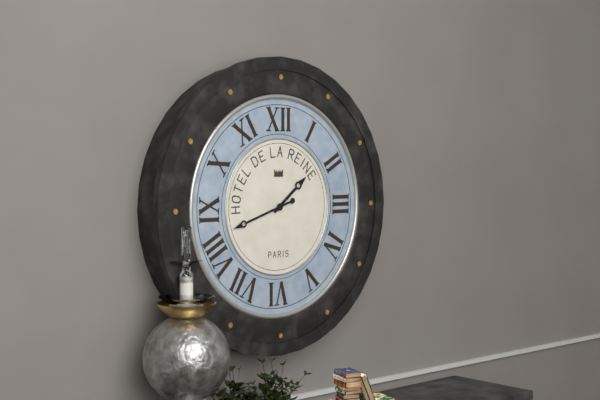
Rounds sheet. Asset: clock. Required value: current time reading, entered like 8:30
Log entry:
1:42
